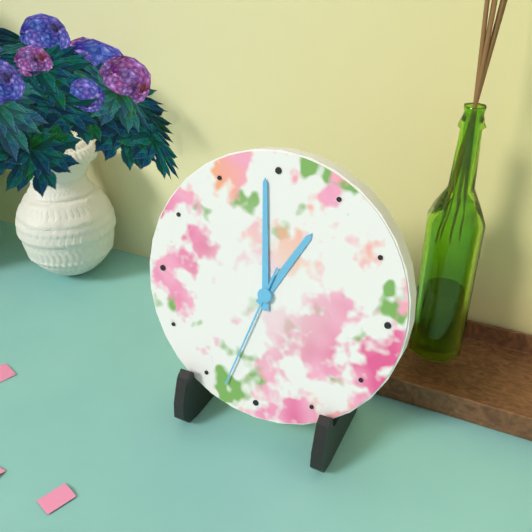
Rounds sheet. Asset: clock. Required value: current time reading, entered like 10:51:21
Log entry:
12:59:33
